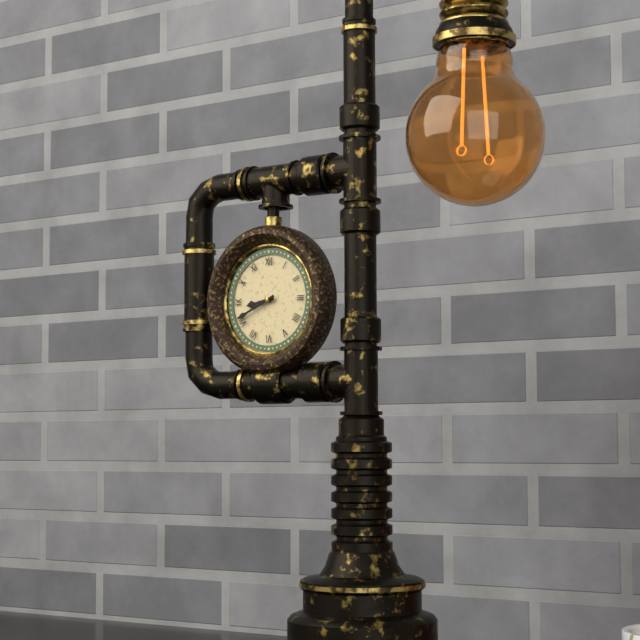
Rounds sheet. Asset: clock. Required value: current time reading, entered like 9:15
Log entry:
8:41
